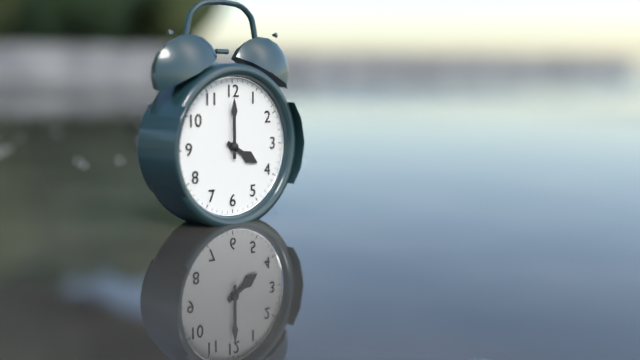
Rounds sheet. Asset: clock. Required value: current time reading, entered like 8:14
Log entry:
4:00
